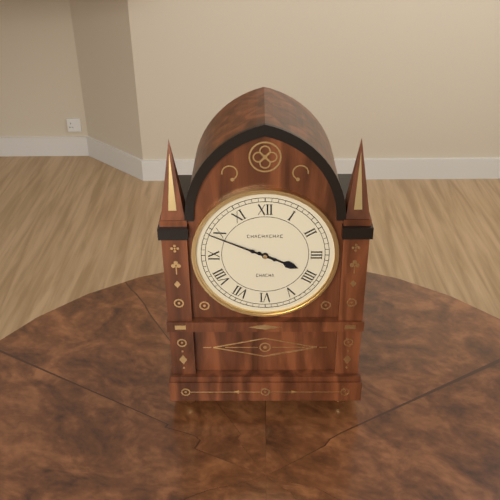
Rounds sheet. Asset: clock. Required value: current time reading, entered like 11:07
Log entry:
3:49
